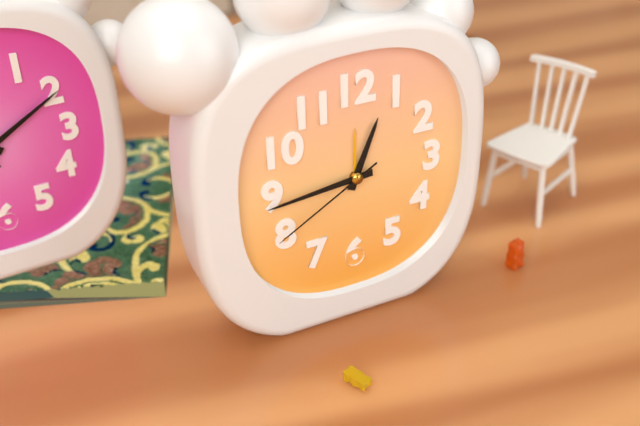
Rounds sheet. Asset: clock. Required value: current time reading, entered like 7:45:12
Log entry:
12:44:40
